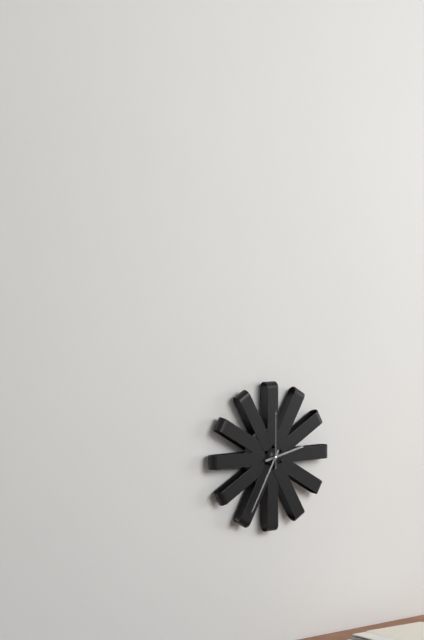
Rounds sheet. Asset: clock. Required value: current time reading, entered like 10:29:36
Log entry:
2:35:00
